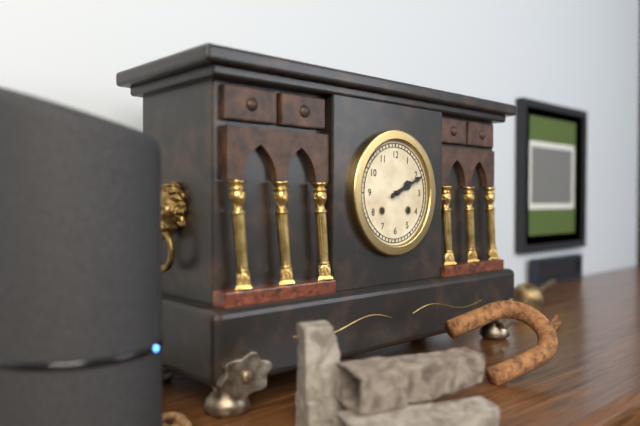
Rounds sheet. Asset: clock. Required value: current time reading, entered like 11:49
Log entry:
2:11
